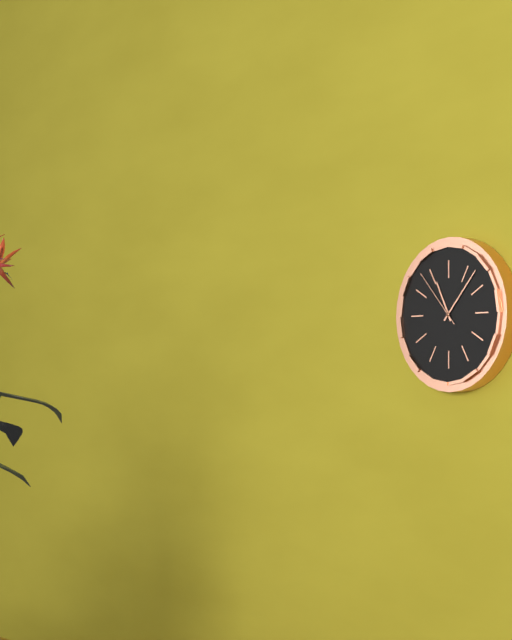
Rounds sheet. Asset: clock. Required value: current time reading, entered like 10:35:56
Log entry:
11:07:53
